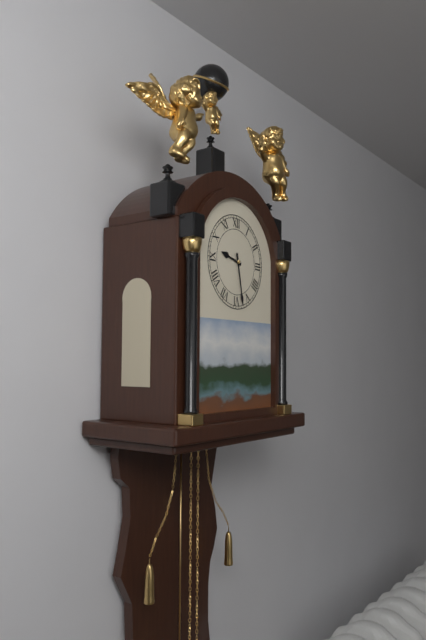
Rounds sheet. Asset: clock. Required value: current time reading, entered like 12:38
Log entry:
9:28
